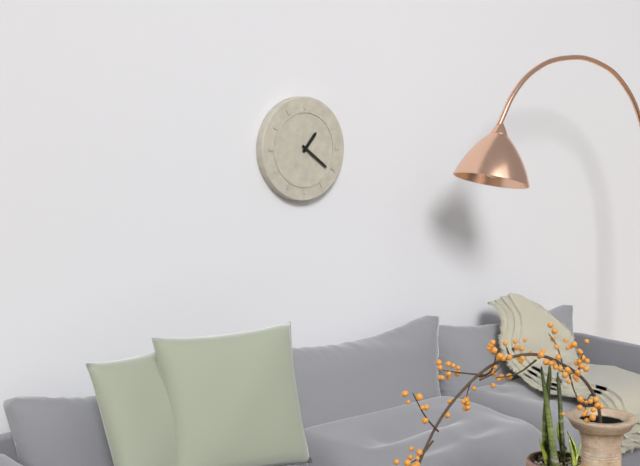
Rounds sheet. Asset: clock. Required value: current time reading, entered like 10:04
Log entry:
1:21
